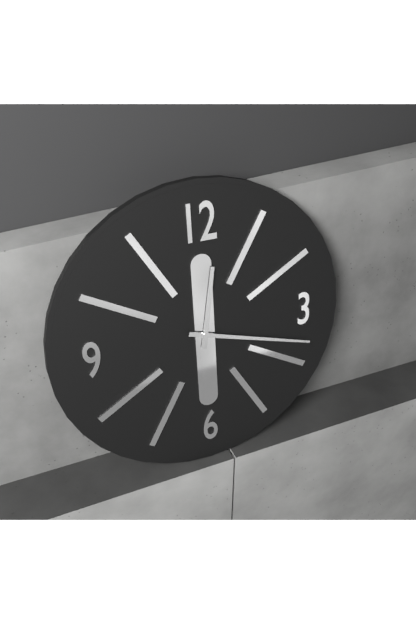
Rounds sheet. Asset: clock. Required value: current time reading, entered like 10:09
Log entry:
12:18
